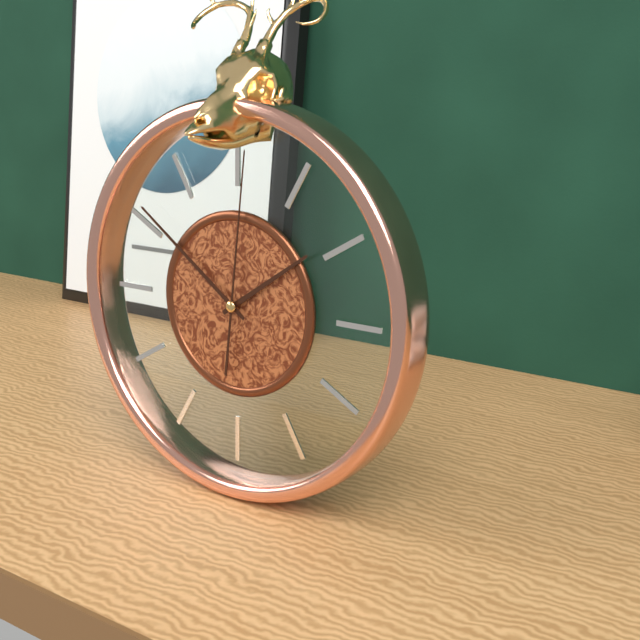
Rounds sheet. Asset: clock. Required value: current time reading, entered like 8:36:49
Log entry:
1:51:01
